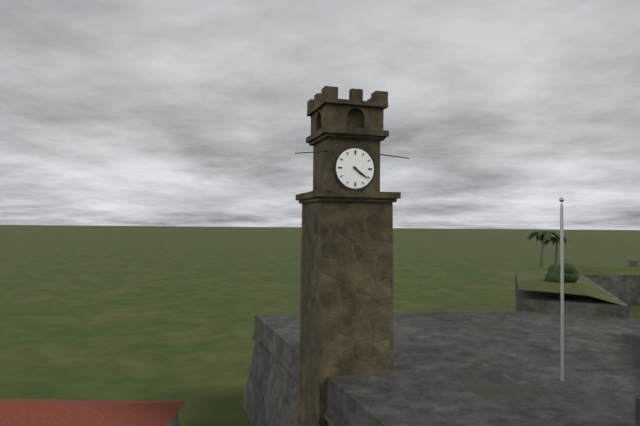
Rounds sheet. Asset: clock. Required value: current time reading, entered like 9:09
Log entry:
4:21
